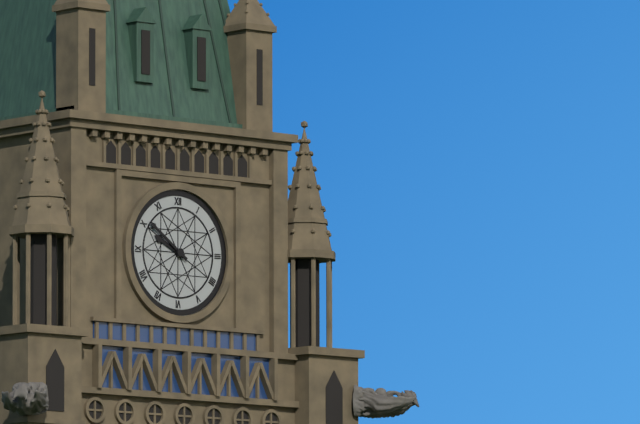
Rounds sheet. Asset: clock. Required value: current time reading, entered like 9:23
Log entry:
9:51
